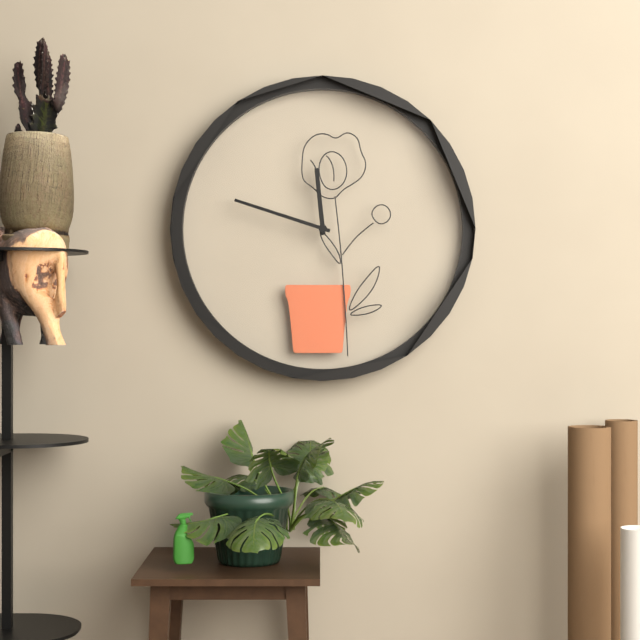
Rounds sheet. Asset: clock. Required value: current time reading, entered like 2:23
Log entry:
11:48
